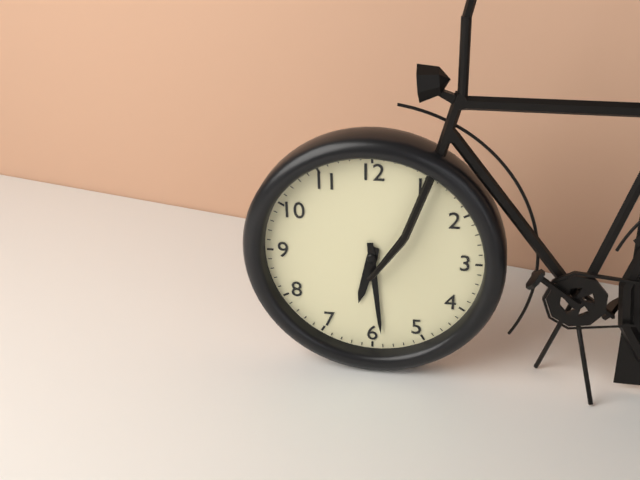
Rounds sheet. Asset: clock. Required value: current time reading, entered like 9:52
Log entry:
6:29
